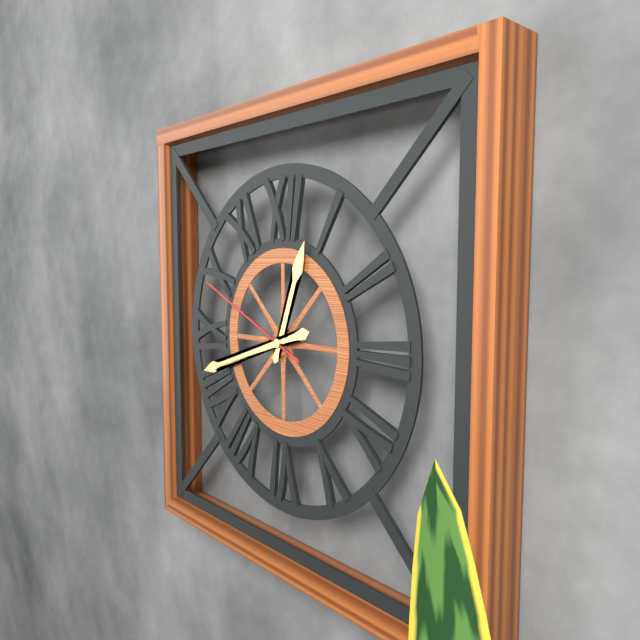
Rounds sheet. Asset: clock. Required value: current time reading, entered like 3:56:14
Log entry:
12:42:49
